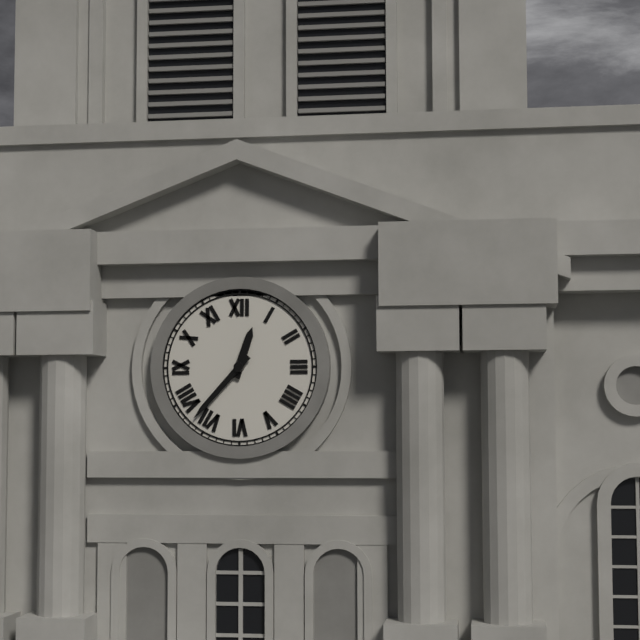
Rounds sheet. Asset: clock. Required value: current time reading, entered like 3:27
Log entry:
12:37
